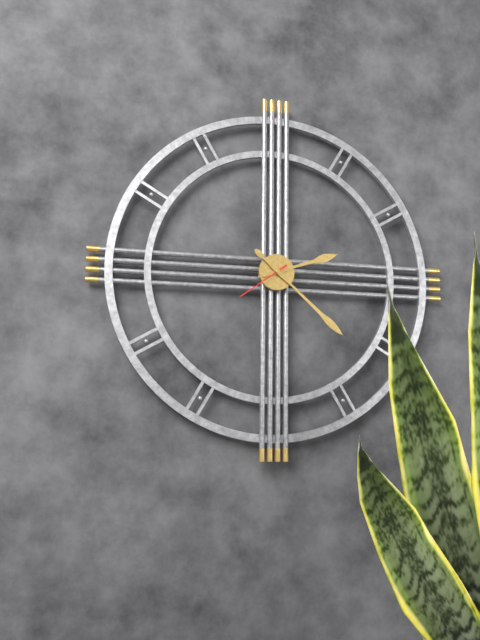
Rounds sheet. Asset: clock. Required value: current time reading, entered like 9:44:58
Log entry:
2:22:39
